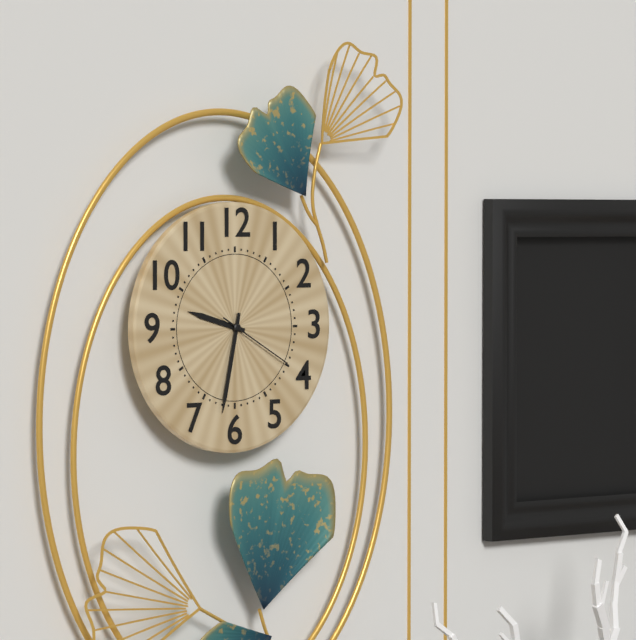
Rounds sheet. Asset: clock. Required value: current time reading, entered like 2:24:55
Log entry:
9:32:20
